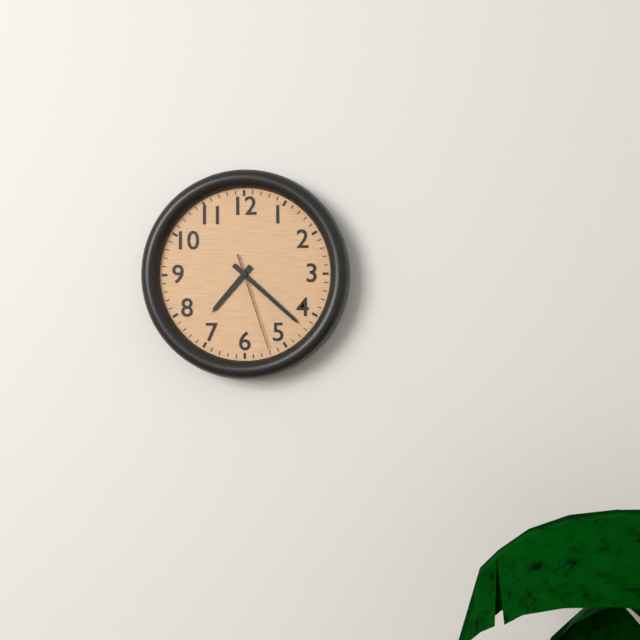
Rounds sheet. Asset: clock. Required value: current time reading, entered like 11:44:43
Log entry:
7:22:27
